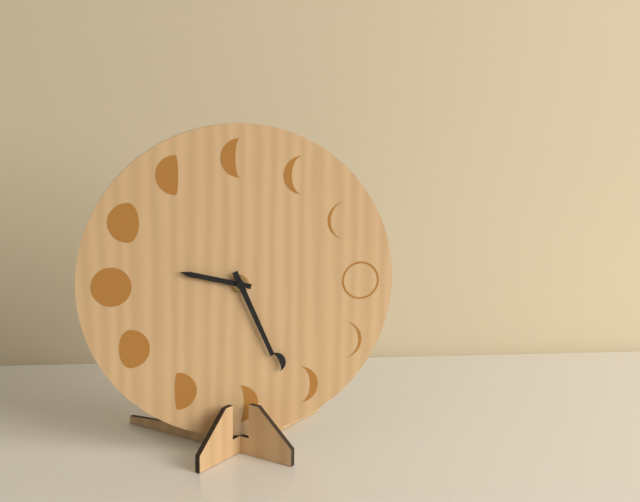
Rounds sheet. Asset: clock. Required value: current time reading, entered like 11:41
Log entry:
9:26
